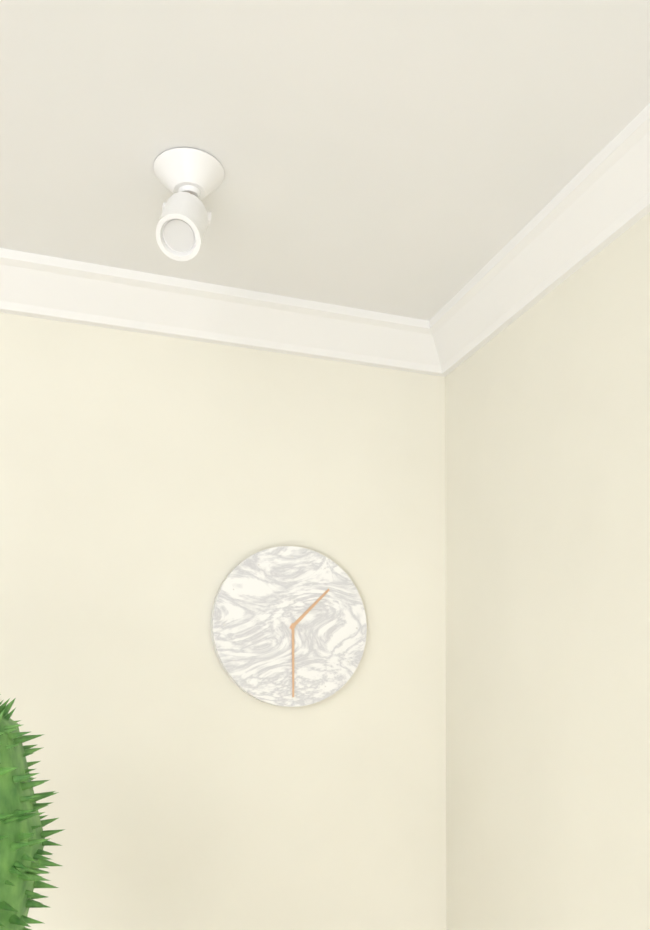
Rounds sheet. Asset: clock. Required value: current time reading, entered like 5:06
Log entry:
1:30
